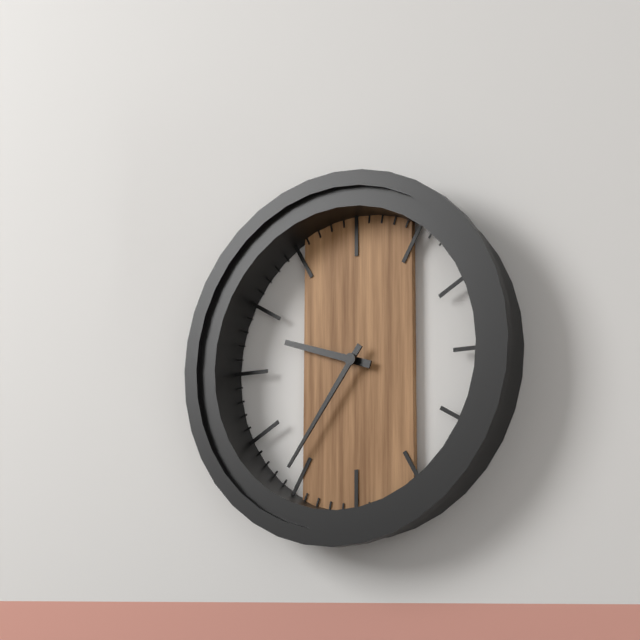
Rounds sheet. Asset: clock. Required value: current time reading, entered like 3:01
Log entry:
9:36
